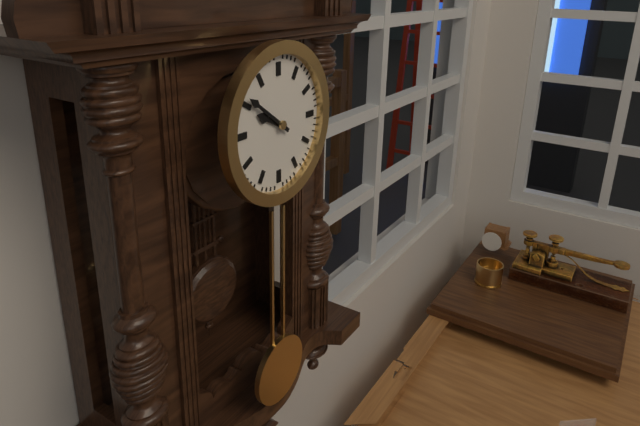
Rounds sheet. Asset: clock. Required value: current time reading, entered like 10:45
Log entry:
9:51
